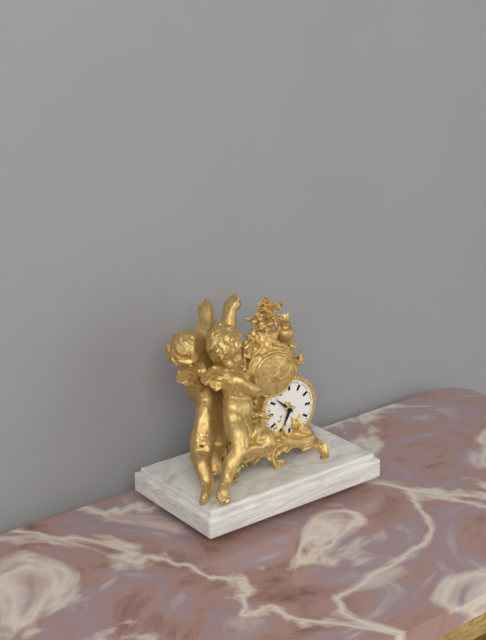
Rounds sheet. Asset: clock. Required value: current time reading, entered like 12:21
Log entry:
6:52
